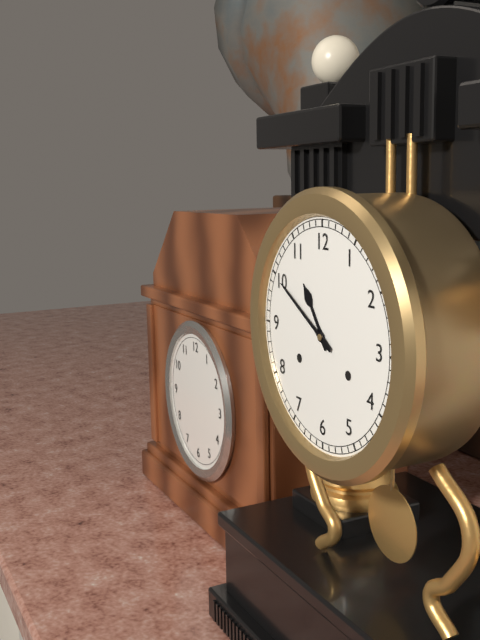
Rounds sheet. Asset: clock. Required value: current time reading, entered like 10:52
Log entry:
10:50
